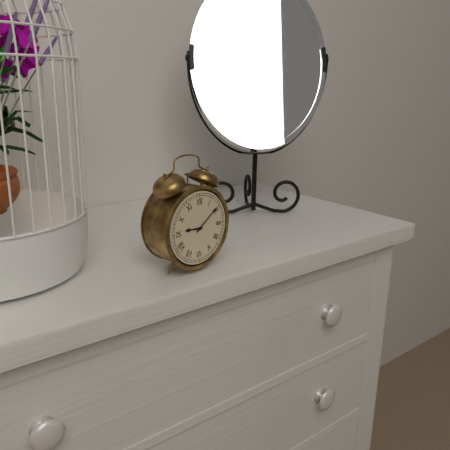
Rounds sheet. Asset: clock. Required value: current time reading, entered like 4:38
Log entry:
9:09
